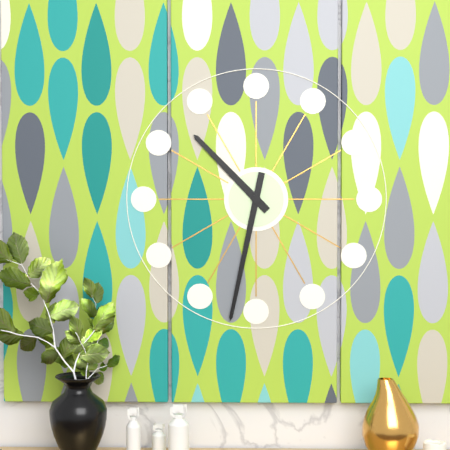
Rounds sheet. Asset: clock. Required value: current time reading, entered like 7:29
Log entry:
10:32
